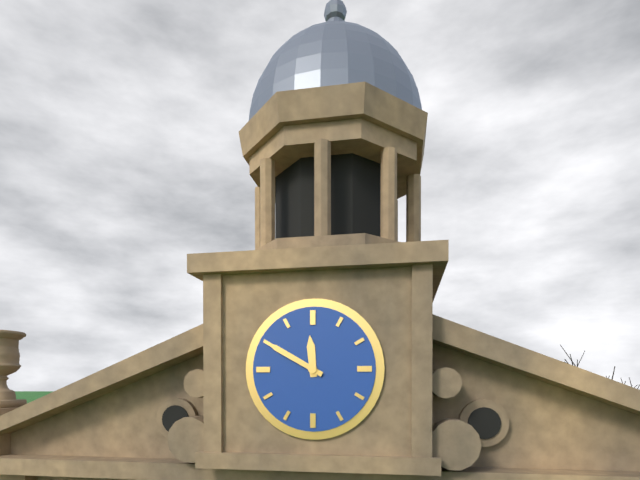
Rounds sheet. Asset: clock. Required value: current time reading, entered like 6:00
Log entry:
11:50
